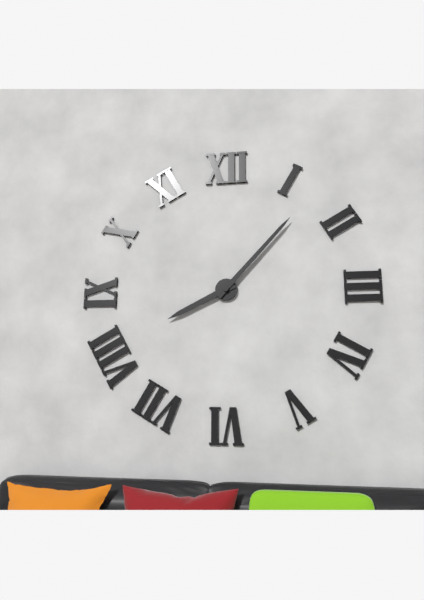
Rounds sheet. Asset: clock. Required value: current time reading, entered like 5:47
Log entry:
8:07
